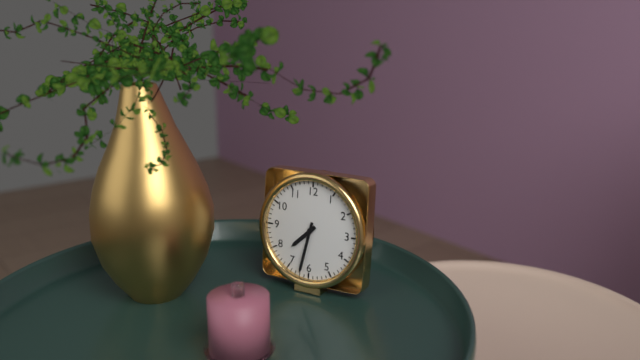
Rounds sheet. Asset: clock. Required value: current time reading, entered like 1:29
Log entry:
7:32
